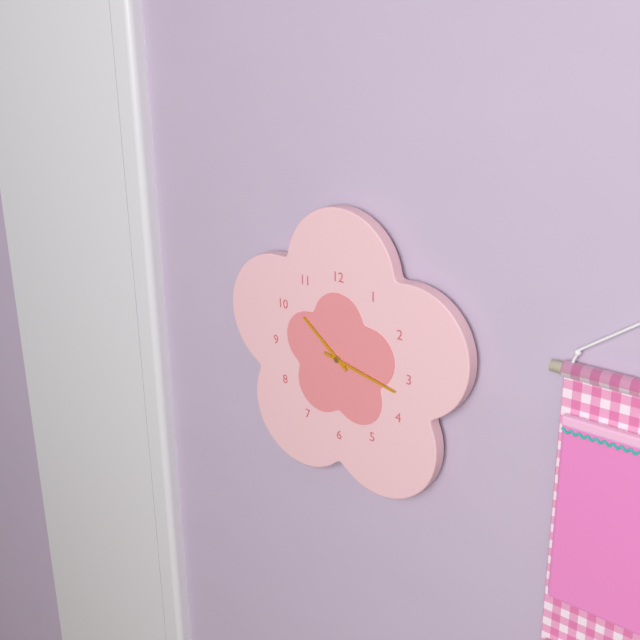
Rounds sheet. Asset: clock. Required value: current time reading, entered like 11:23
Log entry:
10:17
